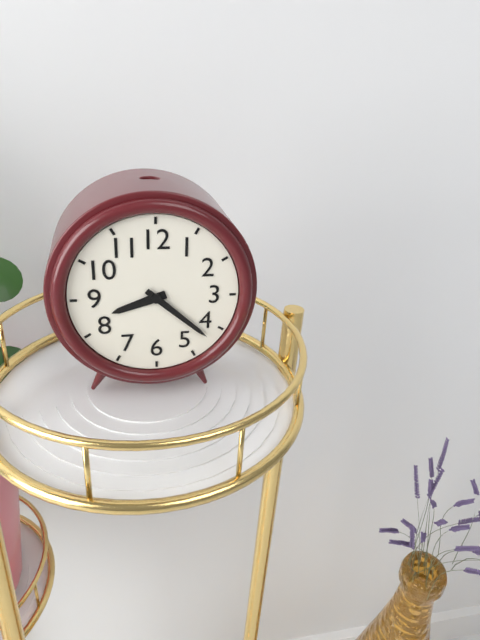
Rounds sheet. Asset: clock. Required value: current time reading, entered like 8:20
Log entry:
8:22
